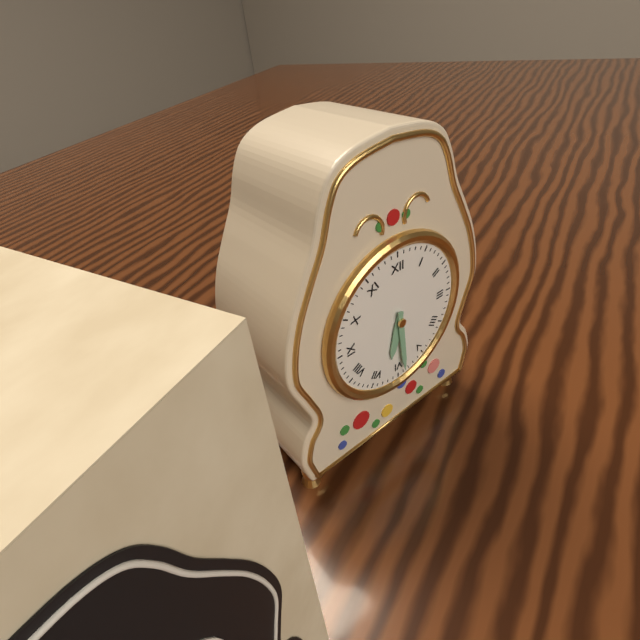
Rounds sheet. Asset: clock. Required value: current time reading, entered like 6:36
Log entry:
6:29
